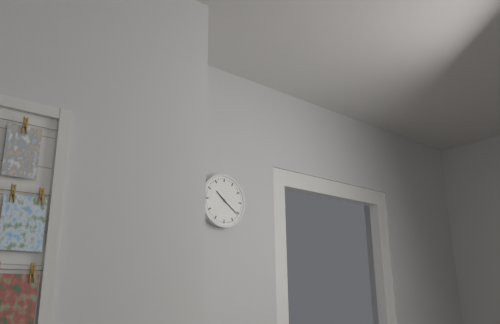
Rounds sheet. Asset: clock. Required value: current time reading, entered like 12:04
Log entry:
10:21
